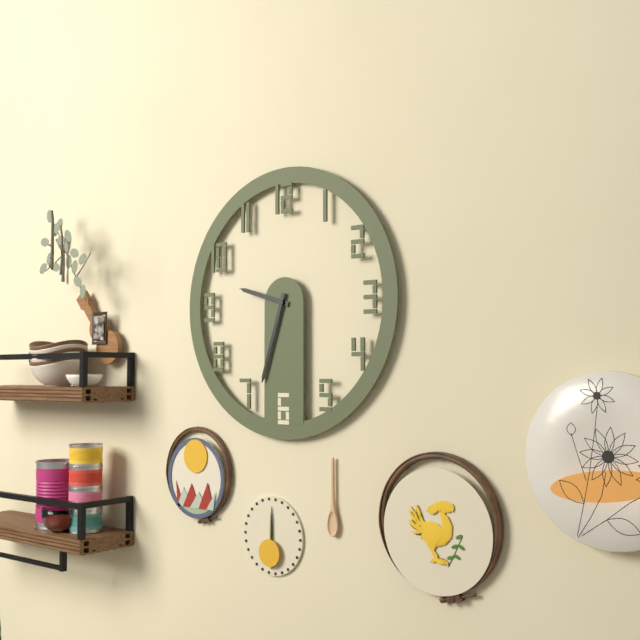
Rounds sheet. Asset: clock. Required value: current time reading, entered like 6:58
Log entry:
9:33
